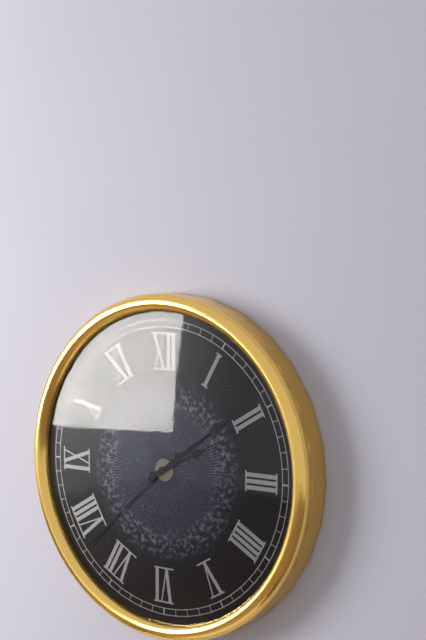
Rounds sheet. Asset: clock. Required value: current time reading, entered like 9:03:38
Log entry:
2:09:38
